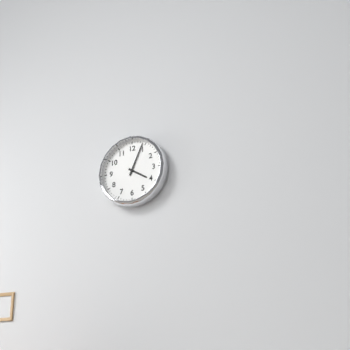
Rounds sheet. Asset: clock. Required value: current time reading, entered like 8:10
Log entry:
4:04
